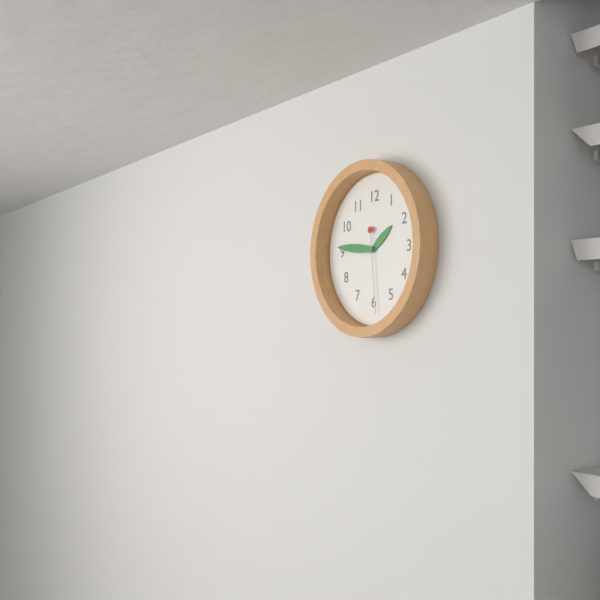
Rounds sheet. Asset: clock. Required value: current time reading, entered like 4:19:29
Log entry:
1:46:29
